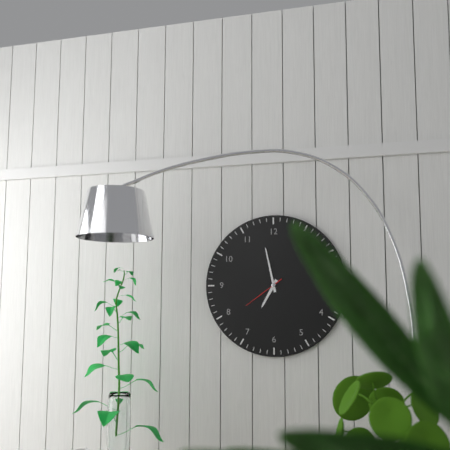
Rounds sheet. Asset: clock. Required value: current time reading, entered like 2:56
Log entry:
6:58
